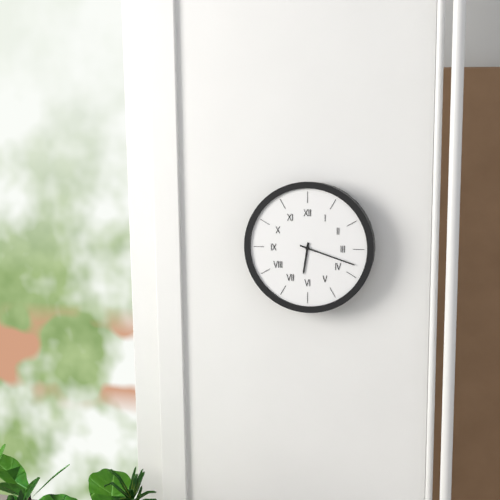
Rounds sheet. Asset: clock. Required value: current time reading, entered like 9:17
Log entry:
6:18
